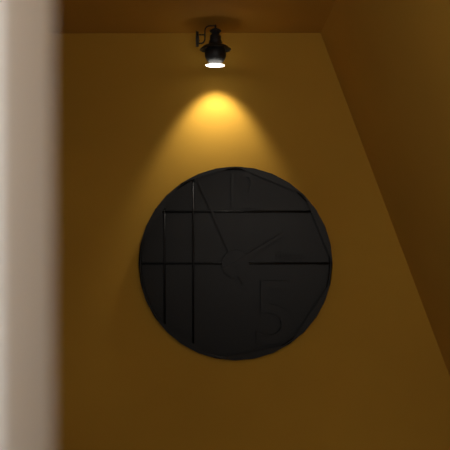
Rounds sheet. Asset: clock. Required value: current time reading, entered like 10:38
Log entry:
1:56
